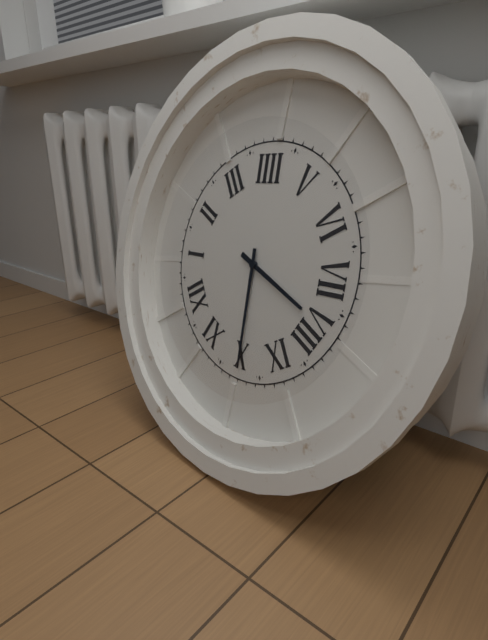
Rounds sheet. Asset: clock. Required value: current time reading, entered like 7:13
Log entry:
7:50
